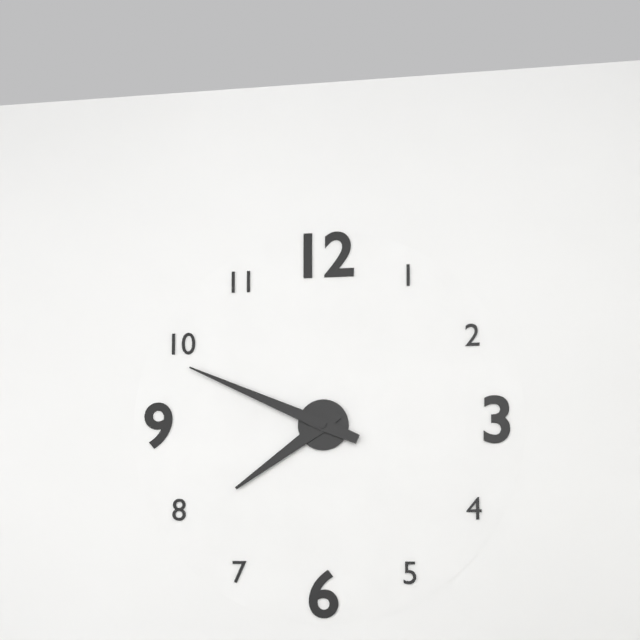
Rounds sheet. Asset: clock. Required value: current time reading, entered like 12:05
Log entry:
7:49
